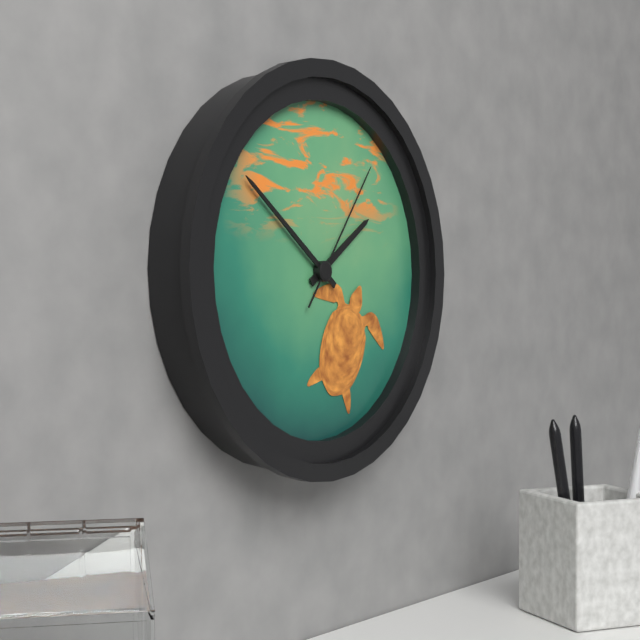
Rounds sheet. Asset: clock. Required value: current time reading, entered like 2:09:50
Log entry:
1:51:06
